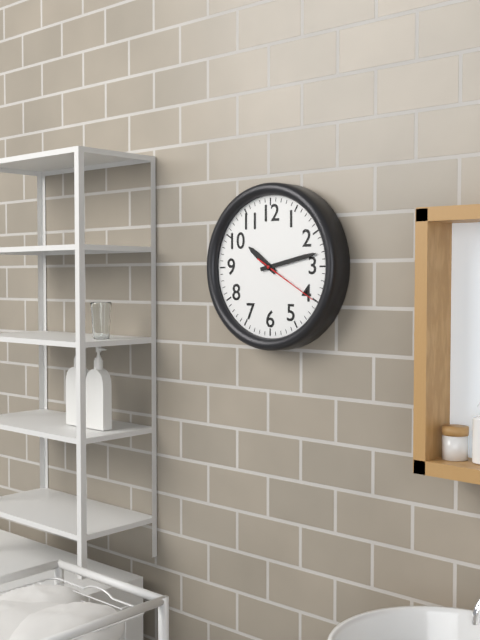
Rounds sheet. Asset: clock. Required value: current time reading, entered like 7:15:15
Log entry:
10:13:20
